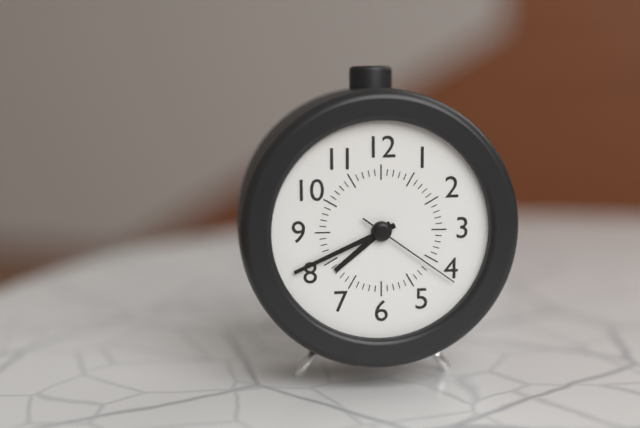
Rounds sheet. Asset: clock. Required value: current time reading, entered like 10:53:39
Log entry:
7:41:21
